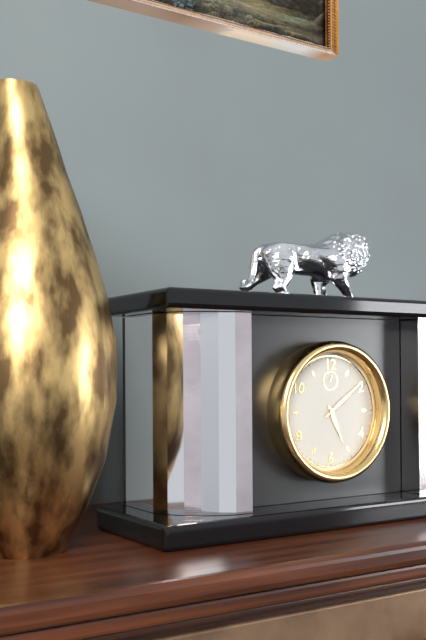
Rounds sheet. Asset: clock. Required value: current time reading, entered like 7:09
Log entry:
5:09
